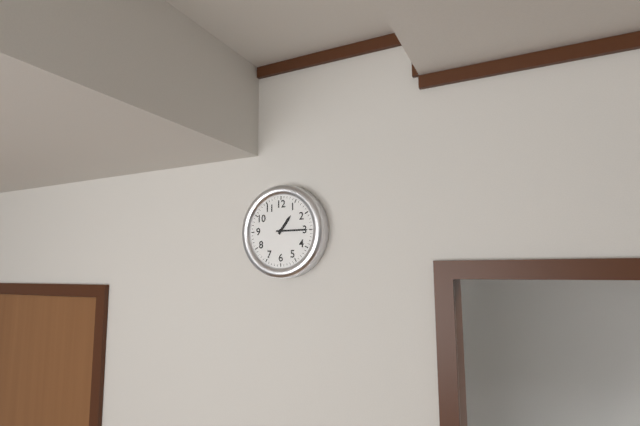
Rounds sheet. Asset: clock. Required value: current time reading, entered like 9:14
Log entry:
1:15
